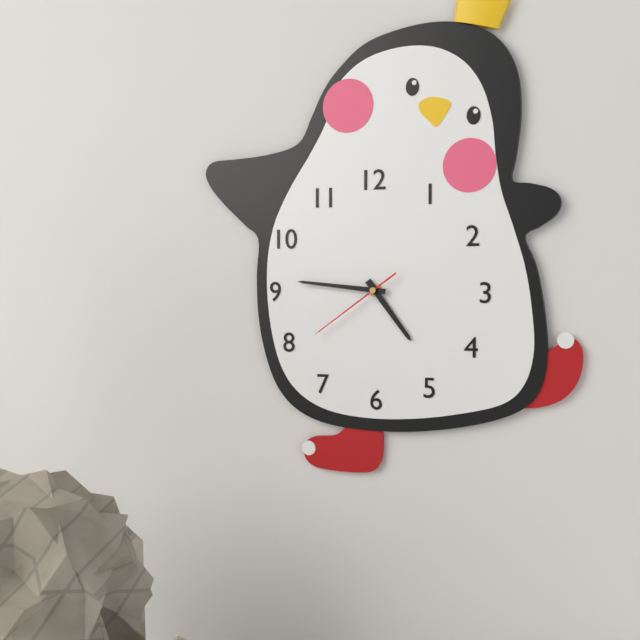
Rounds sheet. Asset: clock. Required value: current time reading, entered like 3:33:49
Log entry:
4:46:39
